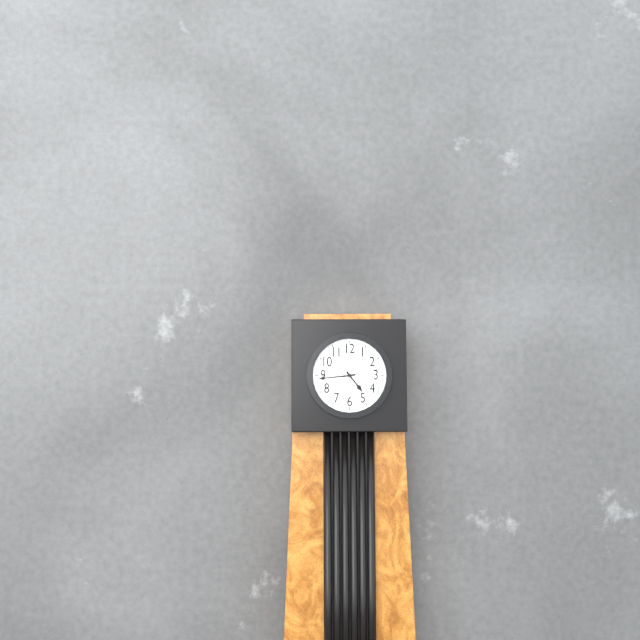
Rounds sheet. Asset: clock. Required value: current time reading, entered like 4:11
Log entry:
4:44
